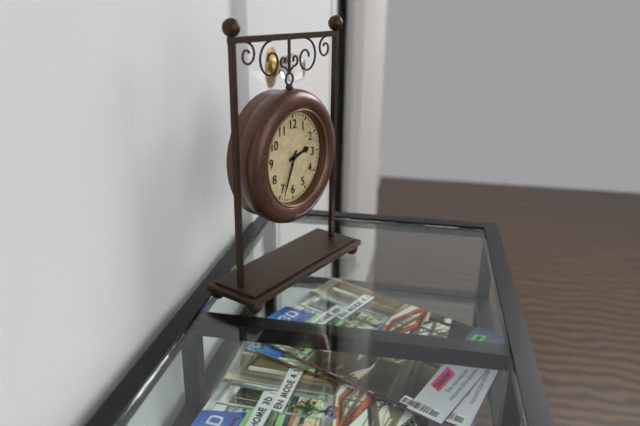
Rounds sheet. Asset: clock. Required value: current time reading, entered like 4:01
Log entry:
2:34
